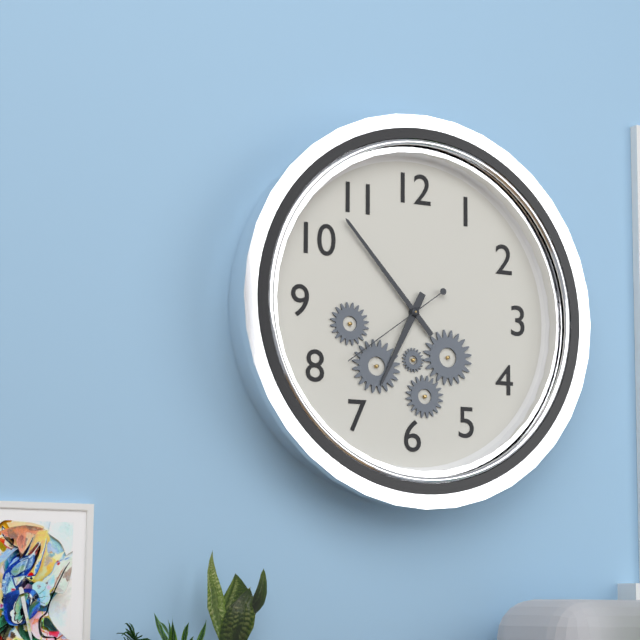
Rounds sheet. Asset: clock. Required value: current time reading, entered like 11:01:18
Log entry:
6:53:39
